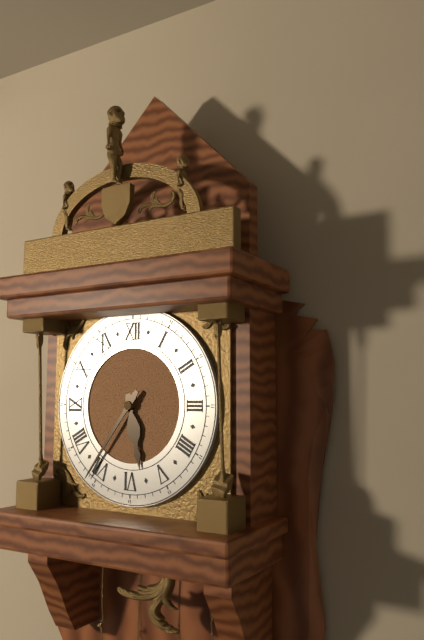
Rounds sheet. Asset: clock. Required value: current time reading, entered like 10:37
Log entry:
5:36
